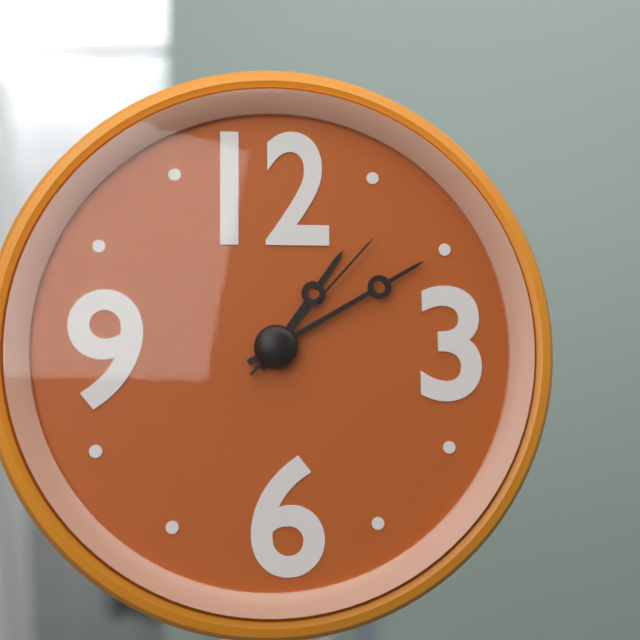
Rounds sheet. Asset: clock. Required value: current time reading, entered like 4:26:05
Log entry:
1:10:07
